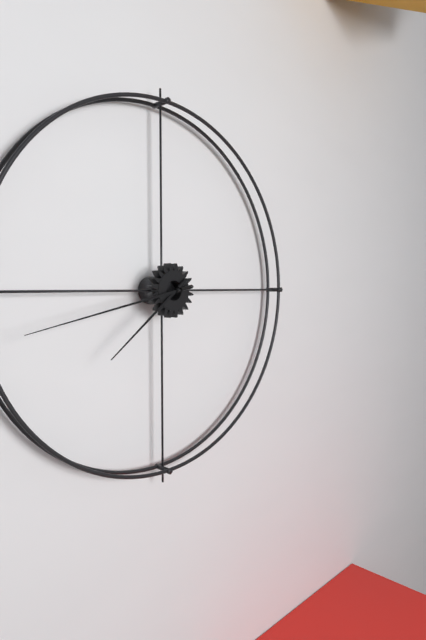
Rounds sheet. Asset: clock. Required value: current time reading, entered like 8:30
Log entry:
7:43
